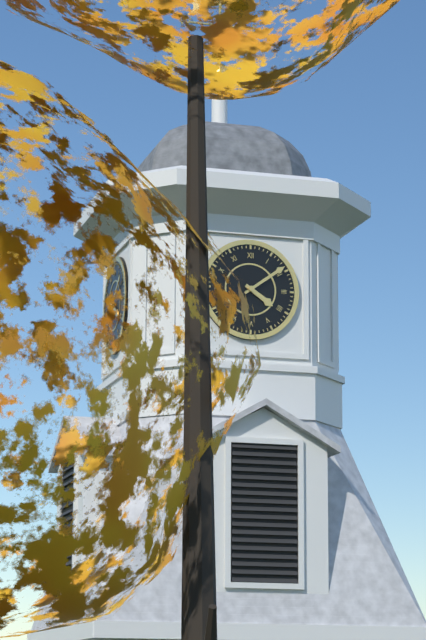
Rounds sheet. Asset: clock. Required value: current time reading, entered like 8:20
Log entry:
4:09
